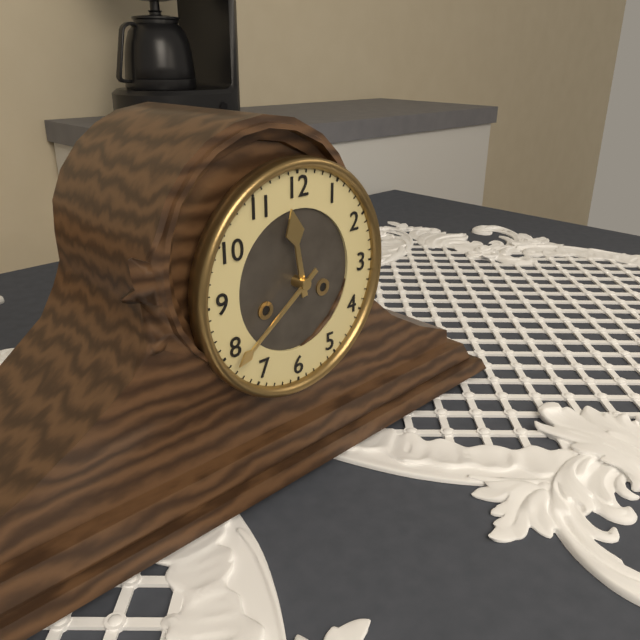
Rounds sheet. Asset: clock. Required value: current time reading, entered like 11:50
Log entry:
11:39
